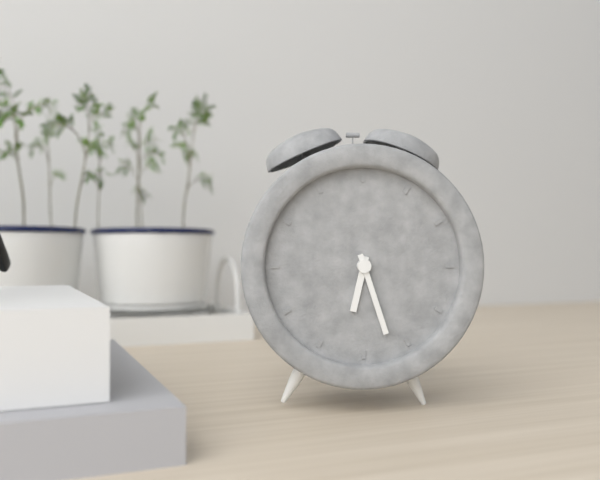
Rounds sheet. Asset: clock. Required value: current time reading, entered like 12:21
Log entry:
6:27
